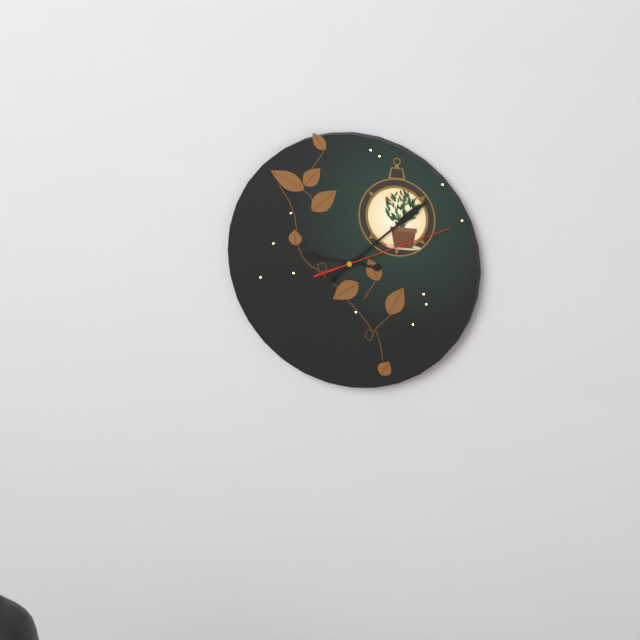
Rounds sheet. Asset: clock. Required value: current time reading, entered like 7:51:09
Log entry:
9:08:11
